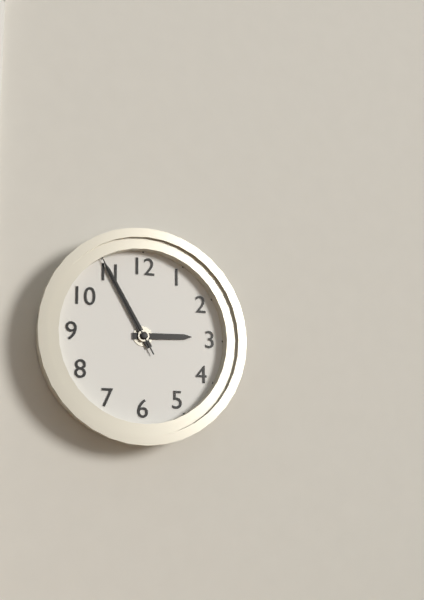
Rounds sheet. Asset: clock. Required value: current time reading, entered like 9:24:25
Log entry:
2:55:55
